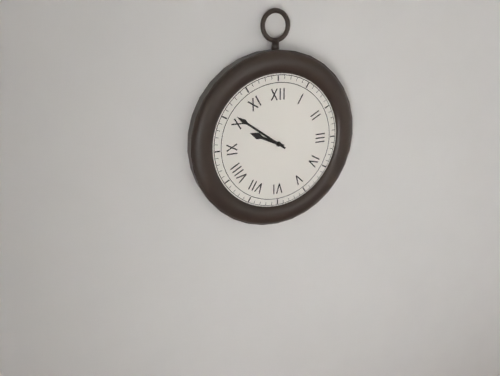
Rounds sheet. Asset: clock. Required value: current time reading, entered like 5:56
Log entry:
9:51
